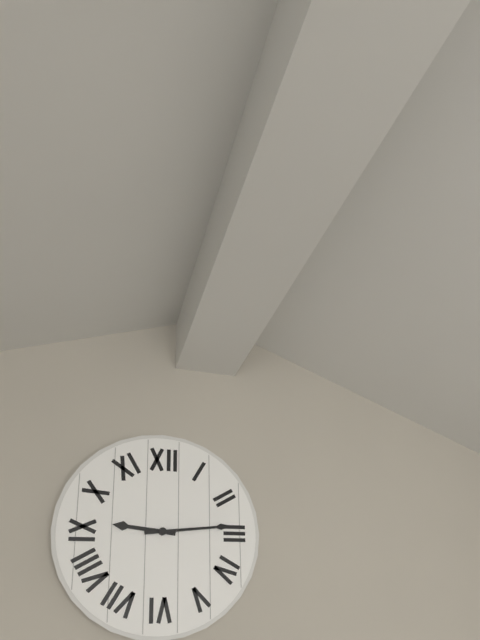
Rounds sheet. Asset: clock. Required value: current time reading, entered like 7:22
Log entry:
9:14
